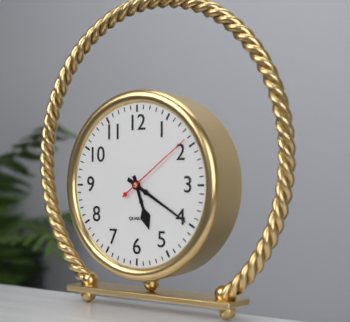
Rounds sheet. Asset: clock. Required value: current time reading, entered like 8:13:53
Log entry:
5:20:09
